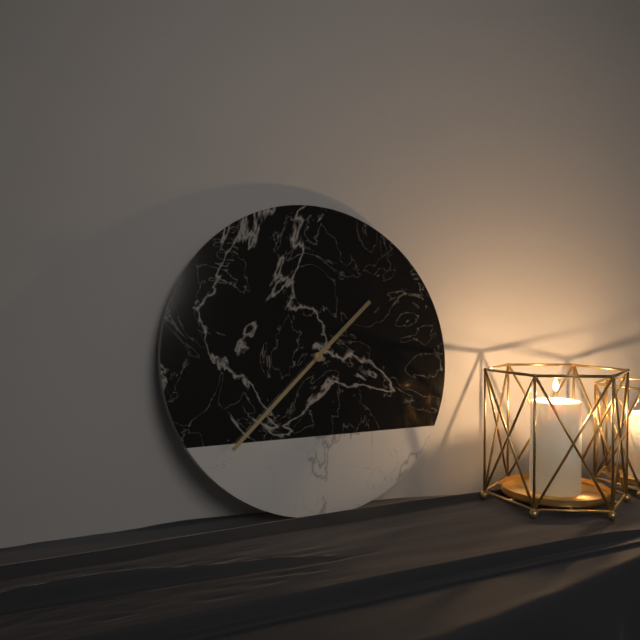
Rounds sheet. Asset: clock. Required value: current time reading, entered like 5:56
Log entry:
1:38
